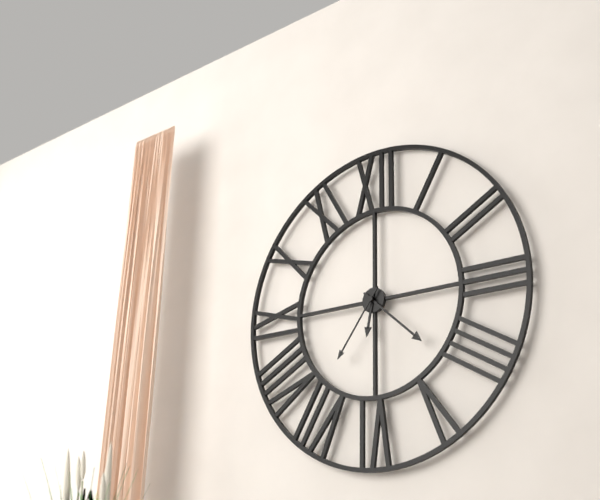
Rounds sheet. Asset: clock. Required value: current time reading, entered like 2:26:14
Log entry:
6:22:36
